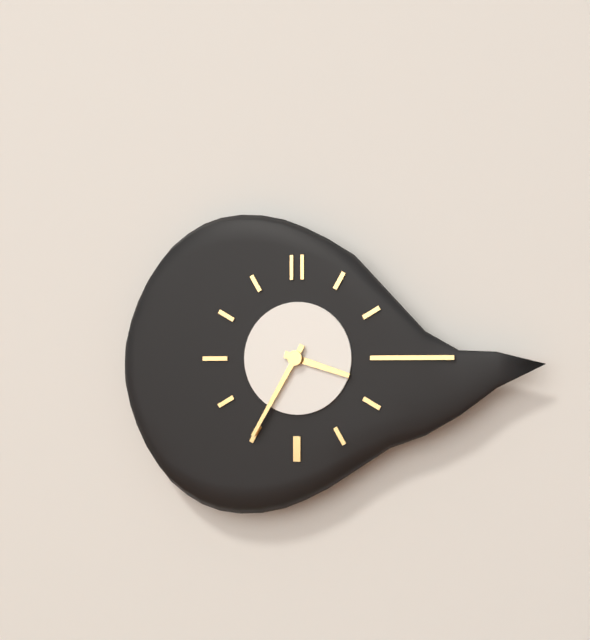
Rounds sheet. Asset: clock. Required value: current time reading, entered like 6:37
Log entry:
3:35
